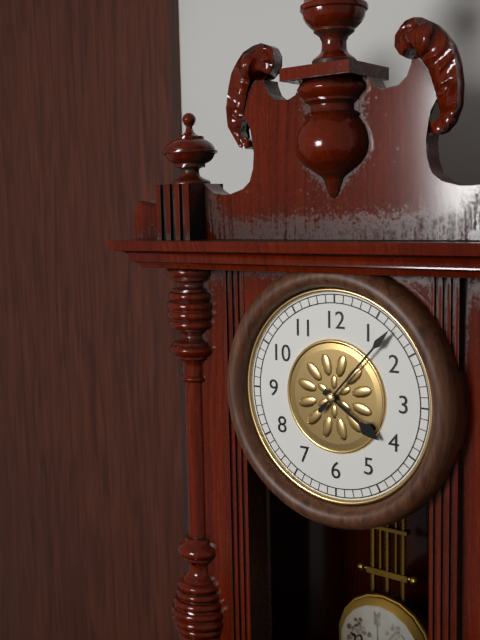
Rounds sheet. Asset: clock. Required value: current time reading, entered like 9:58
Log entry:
4:07
